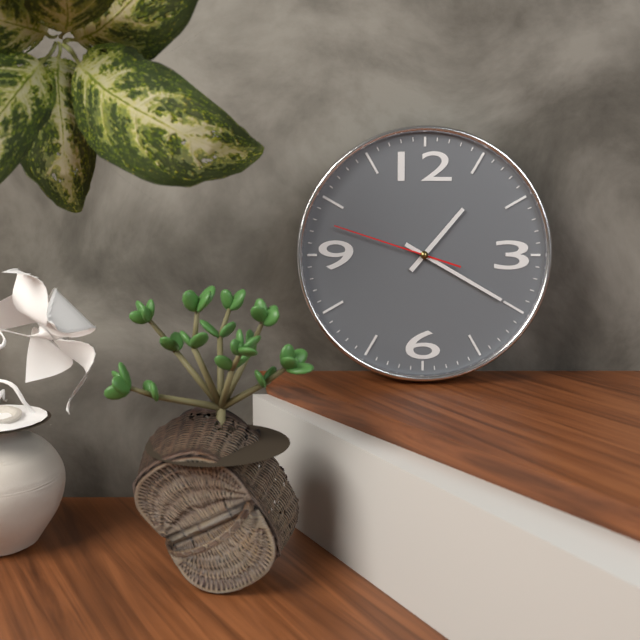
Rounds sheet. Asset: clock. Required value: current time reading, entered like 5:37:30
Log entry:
1:20:48
